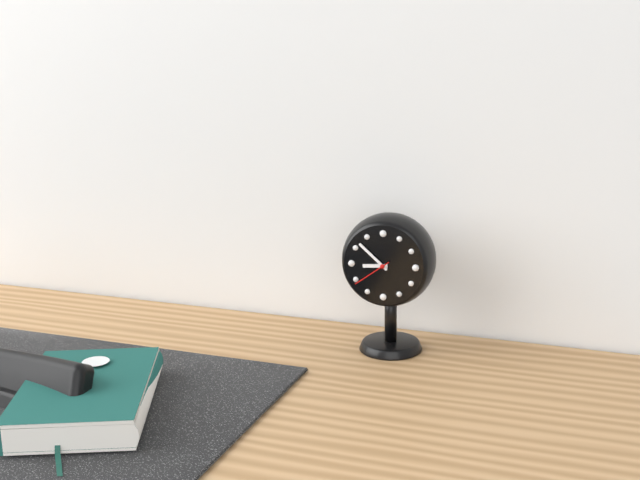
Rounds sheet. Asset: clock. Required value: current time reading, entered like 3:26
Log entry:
8:52
